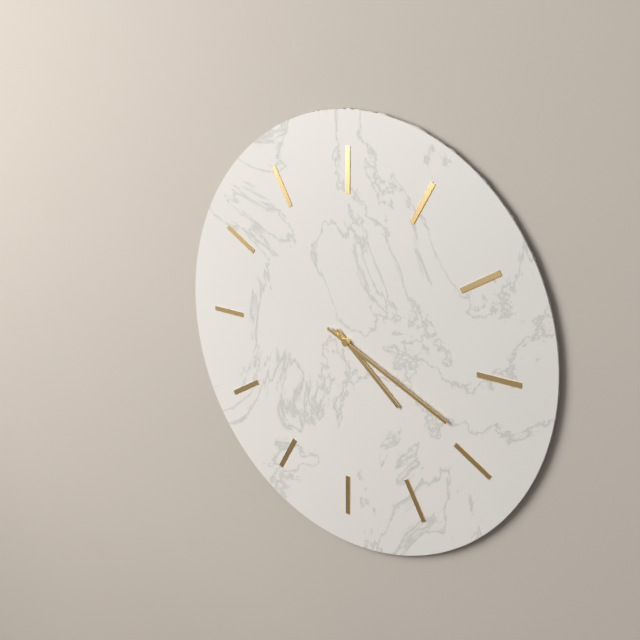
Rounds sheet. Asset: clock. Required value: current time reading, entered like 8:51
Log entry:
4:19
